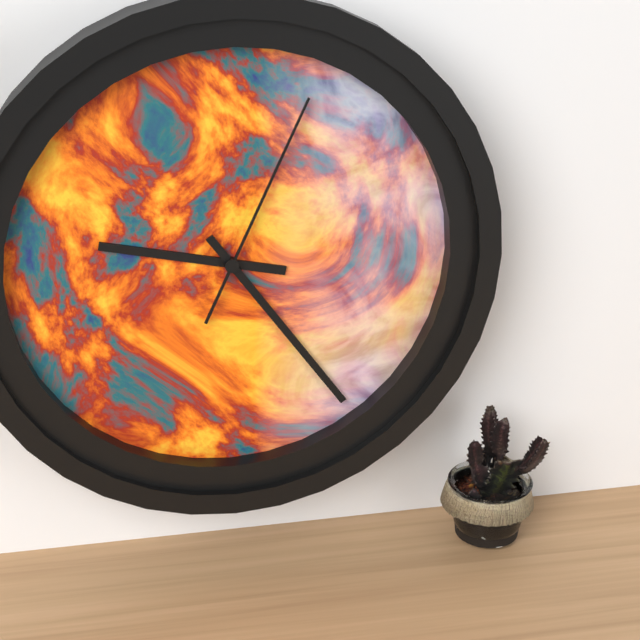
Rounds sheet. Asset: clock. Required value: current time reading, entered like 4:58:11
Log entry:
9:24:04
